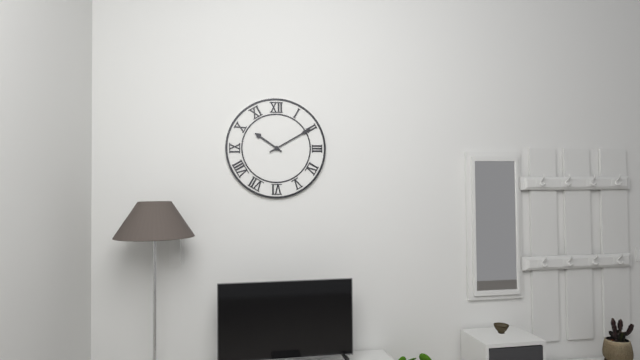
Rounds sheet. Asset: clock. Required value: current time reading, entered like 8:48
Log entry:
10:10
